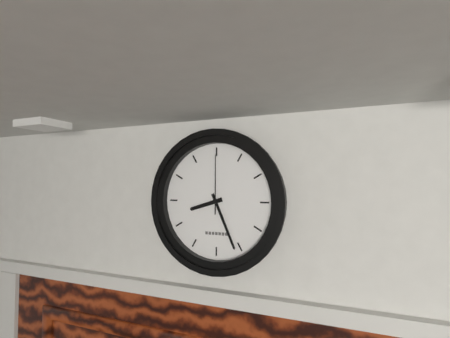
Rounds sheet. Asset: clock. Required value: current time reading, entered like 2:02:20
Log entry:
8:26:00
